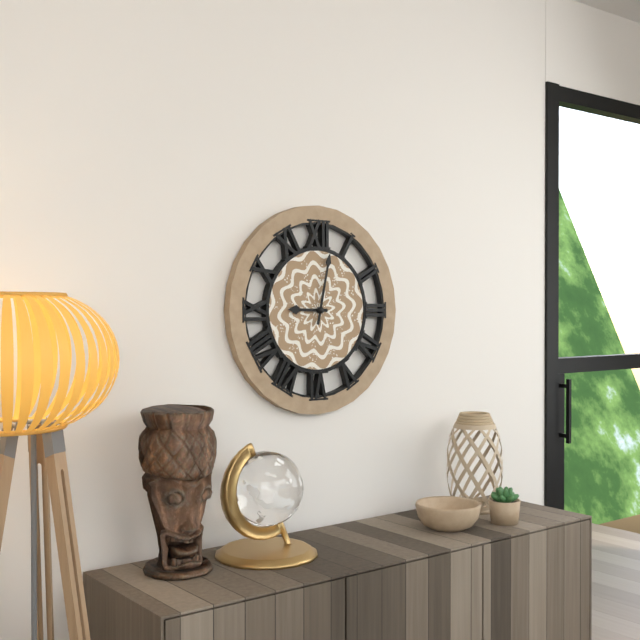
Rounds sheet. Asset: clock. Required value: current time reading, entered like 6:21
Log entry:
9:02
